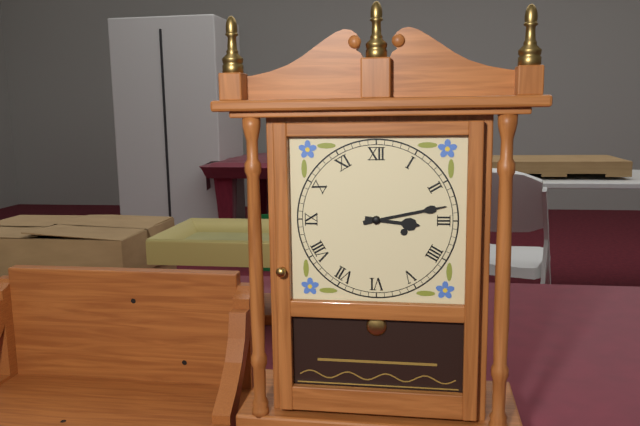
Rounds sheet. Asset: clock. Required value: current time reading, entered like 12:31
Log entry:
3:13
